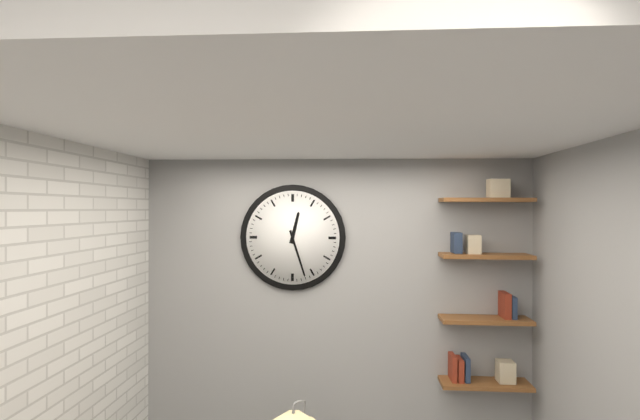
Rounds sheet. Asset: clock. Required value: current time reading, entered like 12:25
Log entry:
12:27
